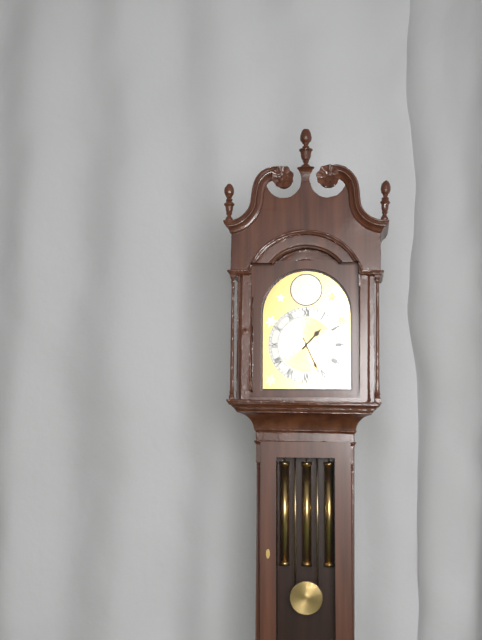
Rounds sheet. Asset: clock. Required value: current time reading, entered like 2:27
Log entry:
1:26
